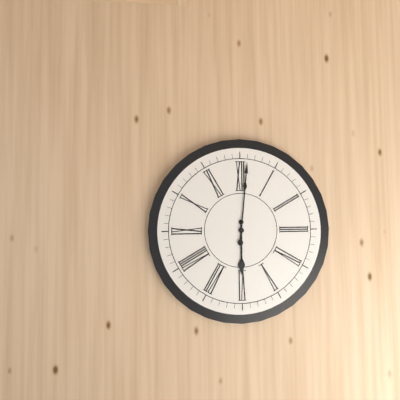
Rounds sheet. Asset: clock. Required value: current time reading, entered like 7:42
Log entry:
6:01
